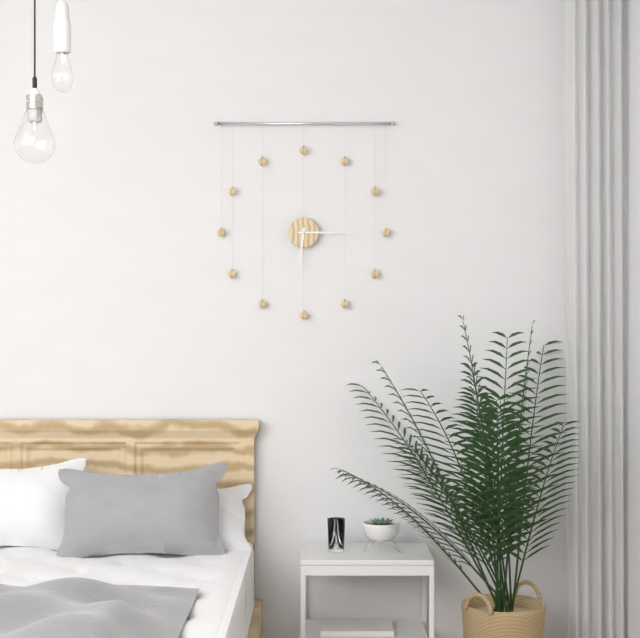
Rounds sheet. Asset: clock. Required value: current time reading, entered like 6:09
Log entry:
6:15
